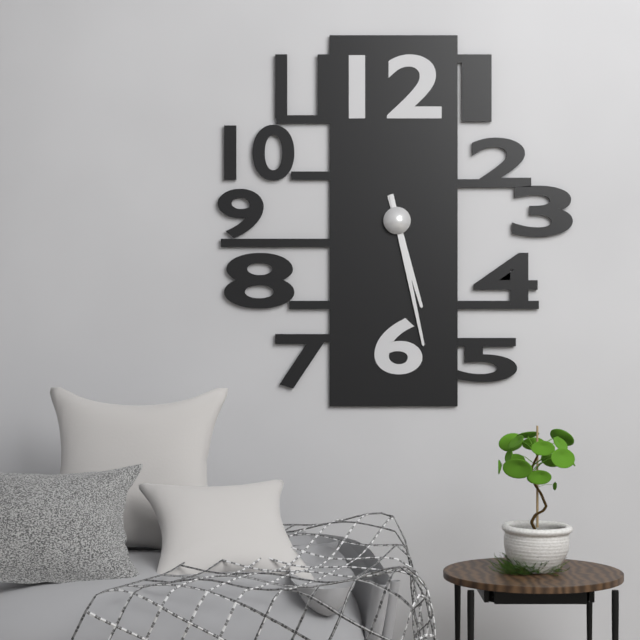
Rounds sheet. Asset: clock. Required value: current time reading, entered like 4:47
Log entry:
5:28
